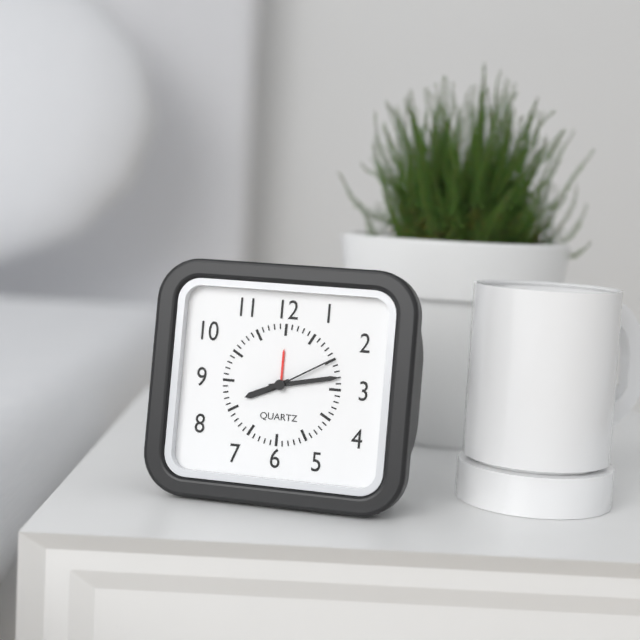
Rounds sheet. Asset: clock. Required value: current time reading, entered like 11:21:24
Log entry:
8:13:10
